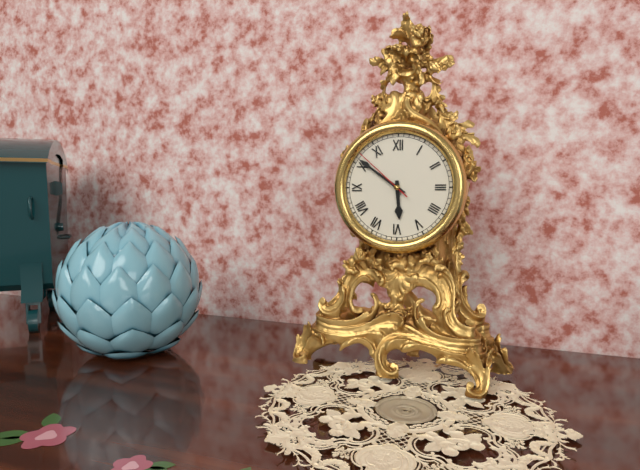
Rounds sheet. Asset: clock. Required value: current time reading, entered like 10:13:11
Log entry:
5:51:52
